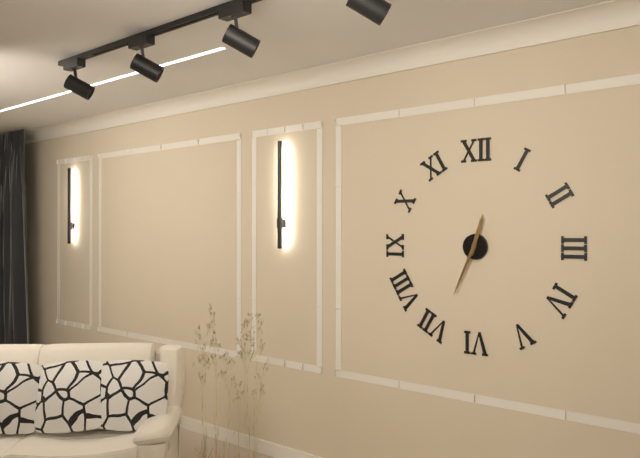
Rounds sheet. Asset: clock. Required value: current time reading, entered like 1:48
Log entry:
12:34
